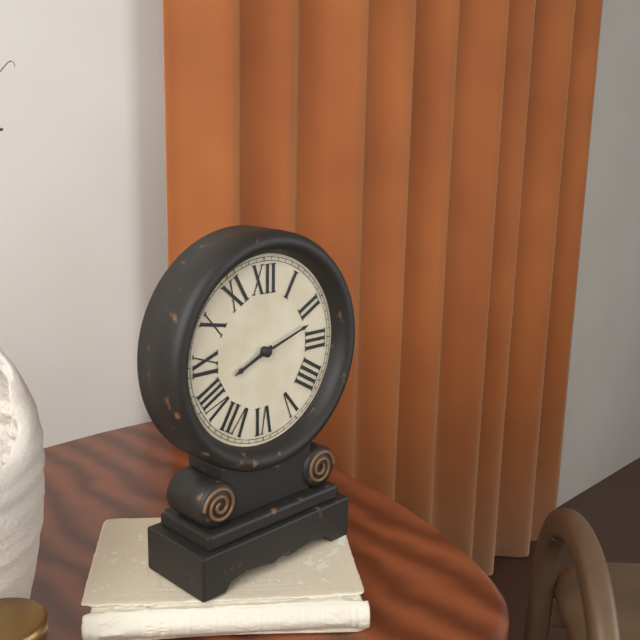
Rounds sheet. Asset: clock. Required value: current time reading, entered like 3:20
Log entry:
8:12
